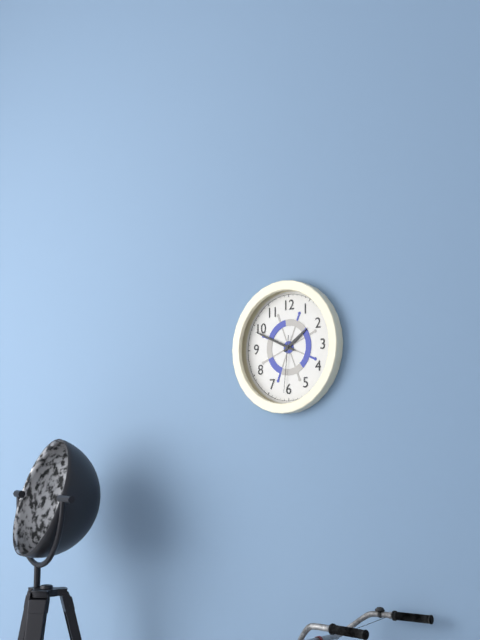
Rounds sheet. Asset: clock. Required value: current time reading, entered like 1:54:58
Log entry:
1:49:31
